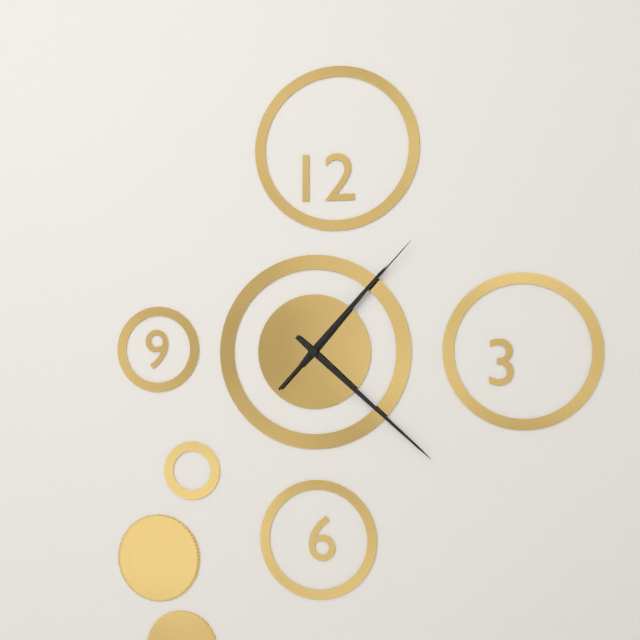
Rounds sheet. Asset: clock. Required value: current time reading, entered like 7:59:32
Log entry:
1:22:07
